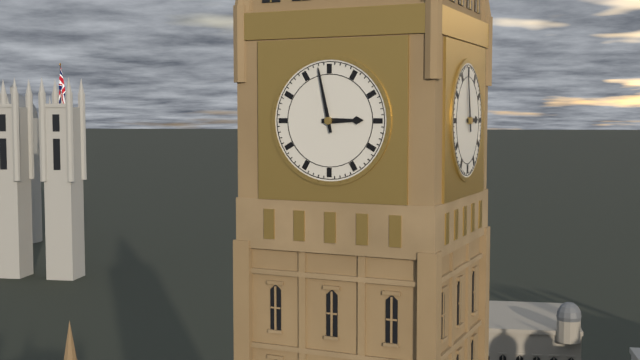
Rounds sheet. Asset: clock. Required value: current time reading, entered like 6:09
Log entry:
2:58
